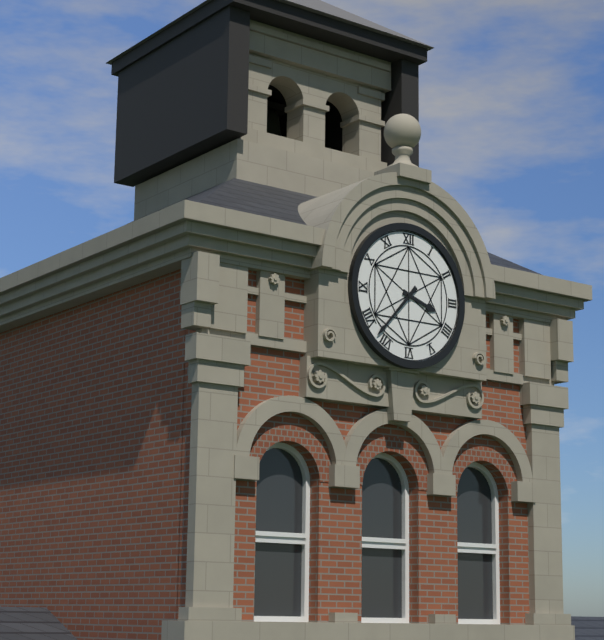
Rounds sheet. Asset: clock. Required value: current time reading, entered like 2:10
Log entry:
3:37
